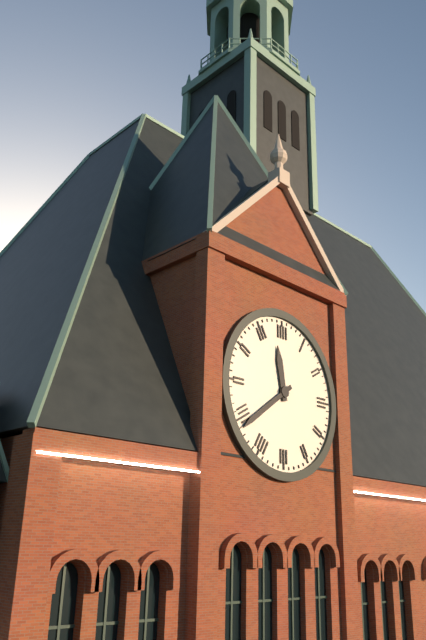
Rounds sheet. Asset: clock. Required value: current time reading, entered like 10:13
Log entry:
11:39
